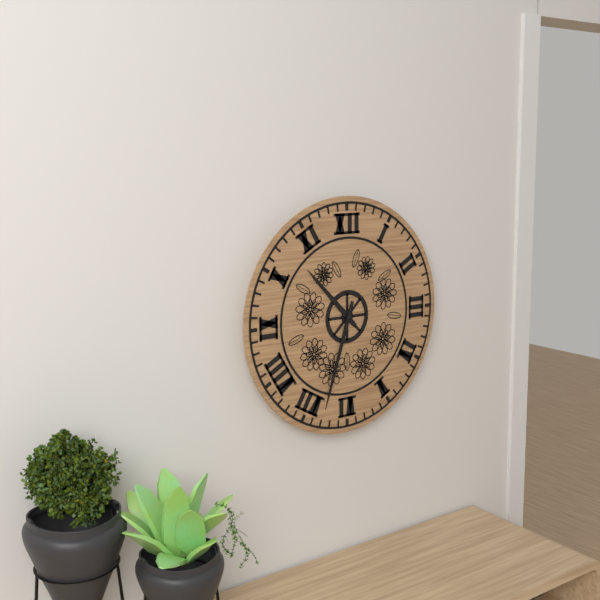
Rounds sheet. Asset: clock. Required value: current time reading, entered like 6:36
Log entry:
10:33
